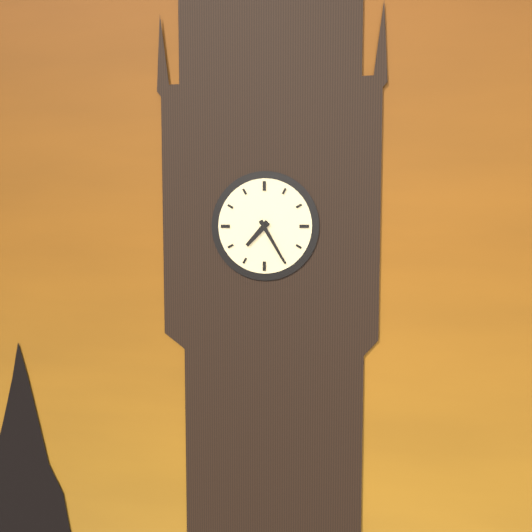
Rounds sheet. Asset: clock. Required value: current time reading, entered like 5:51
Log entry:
7:25
